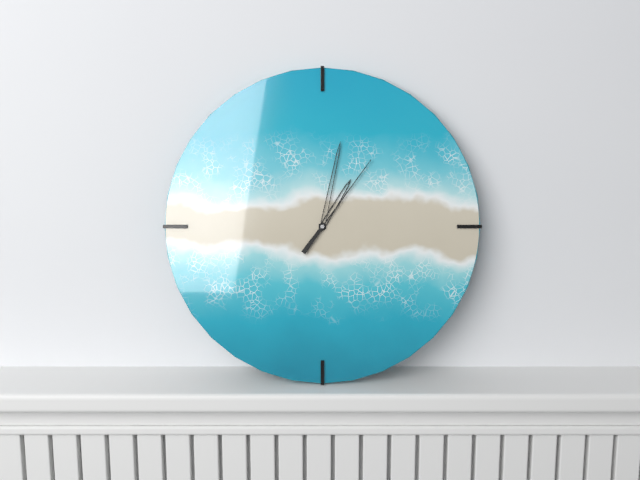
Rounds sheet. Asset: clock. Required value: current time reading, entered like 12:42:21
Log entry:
1:02:06
